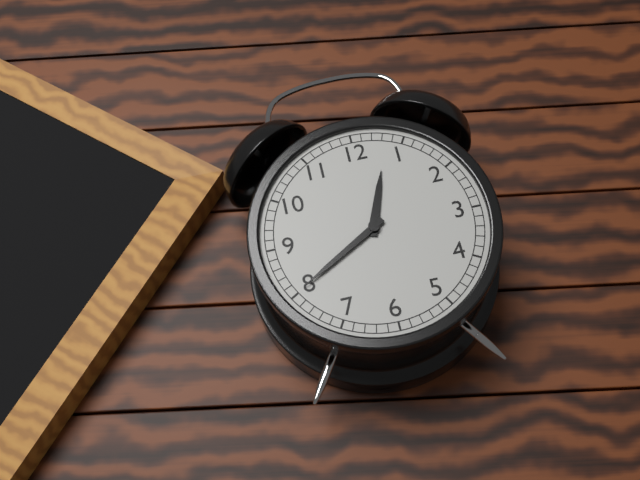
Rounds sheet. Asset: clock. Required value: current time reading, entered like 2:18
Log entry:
12:40
